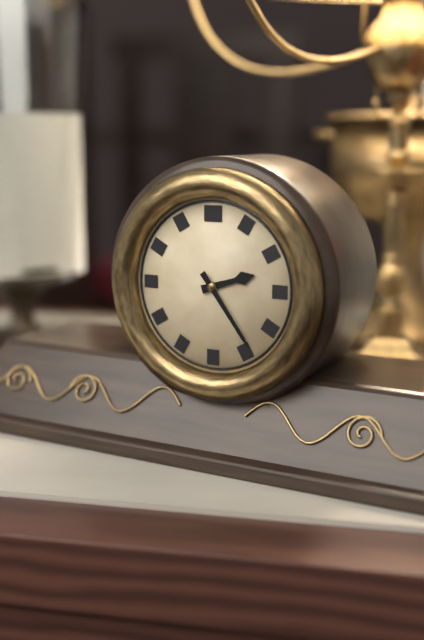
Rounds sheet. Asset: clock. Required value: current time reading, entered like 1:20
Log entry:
2:24
